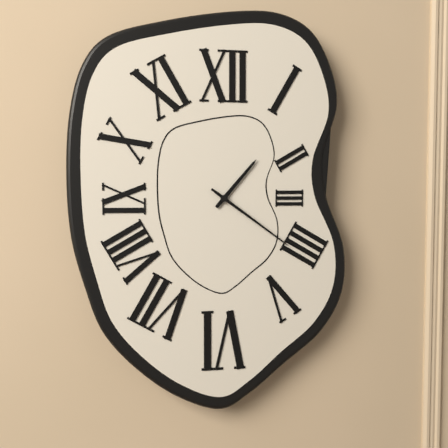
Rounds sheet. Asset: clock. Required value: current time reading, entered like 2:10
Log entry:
1:21
